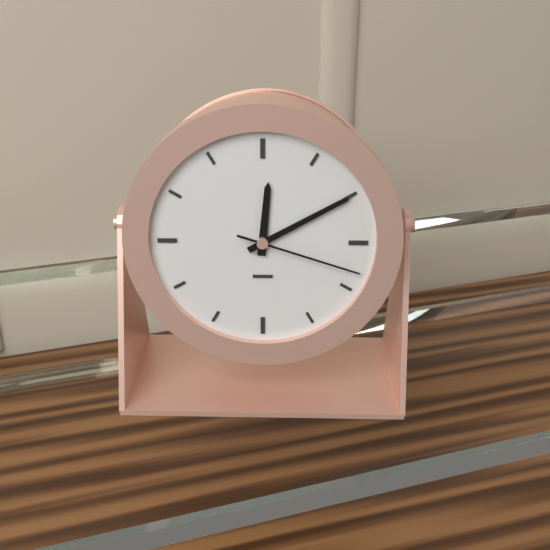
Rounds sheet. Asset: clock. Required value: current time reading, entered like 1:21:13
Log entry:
12:10:18
